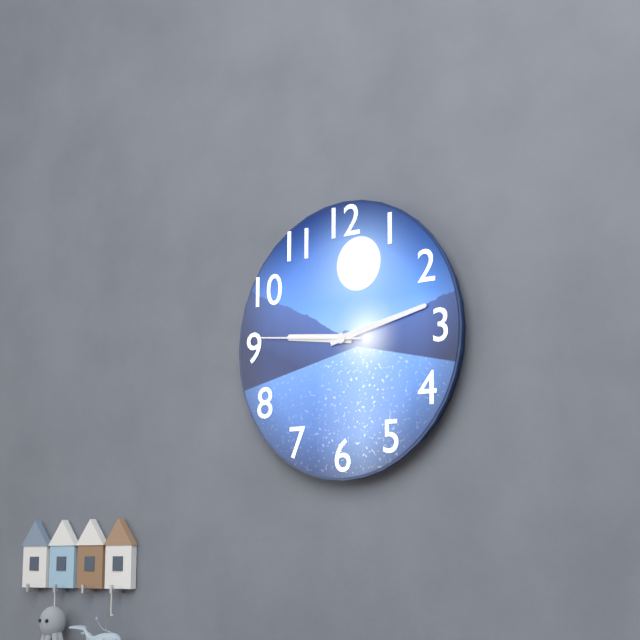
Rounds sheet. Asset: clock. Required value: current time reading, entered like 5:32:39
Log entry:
9:13:46
